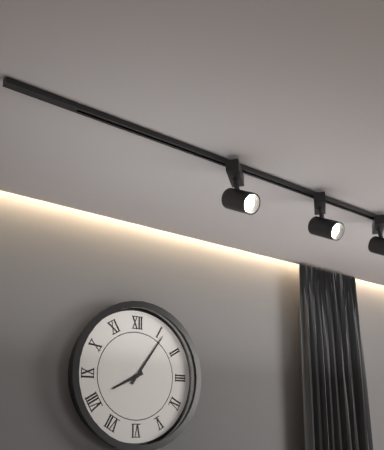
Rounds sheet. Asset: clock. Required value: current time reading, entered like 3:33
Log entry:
8:06
